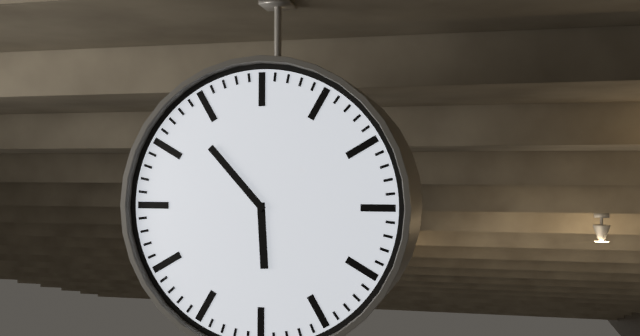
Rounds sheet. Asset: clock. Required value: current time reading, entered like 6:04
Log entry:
5:53
